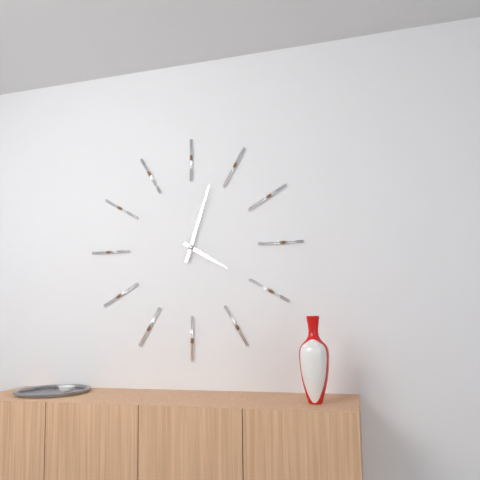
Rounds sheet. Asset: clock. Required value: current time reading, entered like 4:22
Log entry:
4:03
